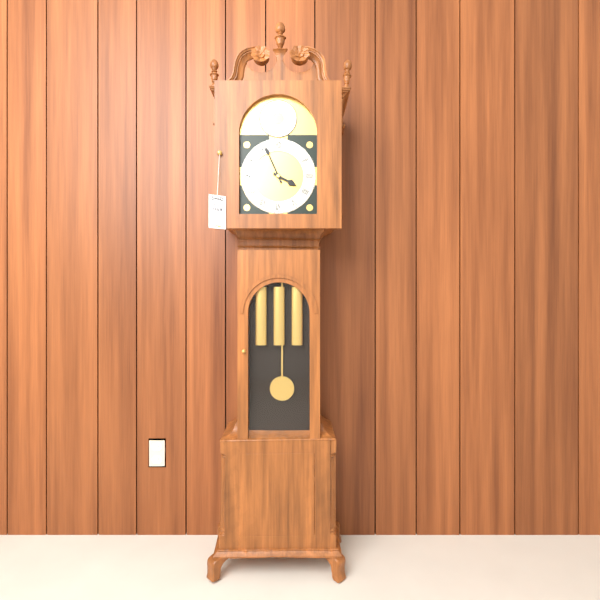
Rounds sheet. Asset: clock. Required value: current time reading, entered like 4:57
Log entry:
3:56
